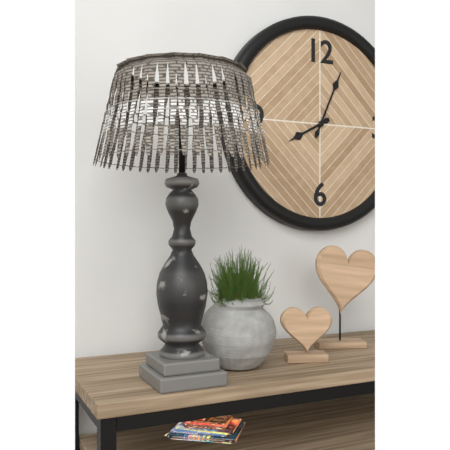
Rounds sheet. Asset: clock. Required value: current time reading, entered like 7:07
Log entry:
8:04
